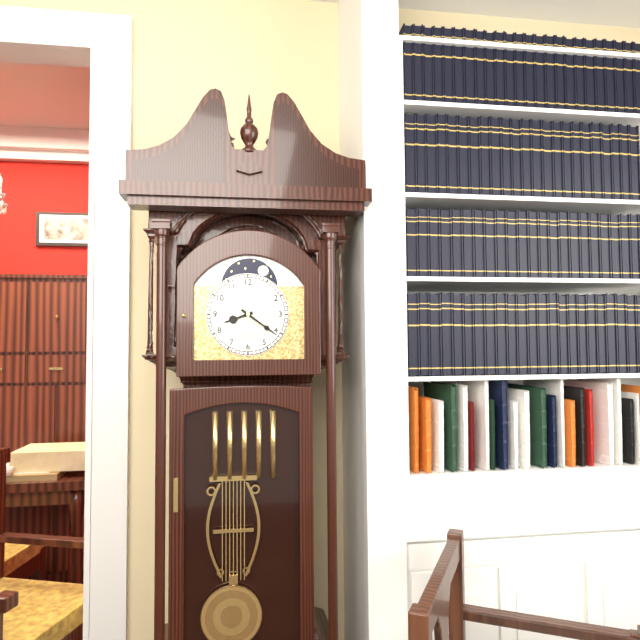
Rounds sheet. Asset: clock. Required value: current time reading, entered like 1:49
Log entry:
8:21
